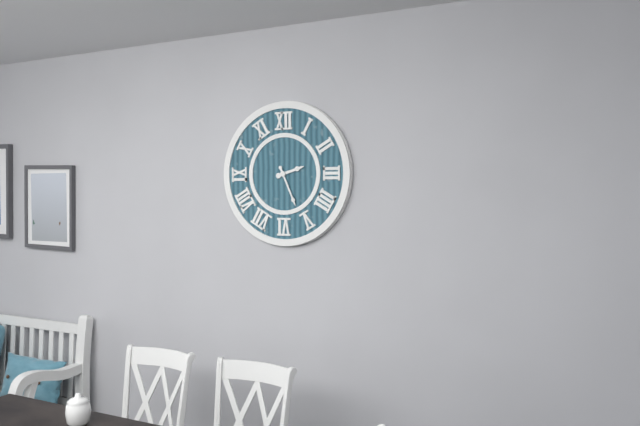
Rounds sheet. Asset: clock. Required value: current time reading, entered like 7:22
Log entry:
2:26
